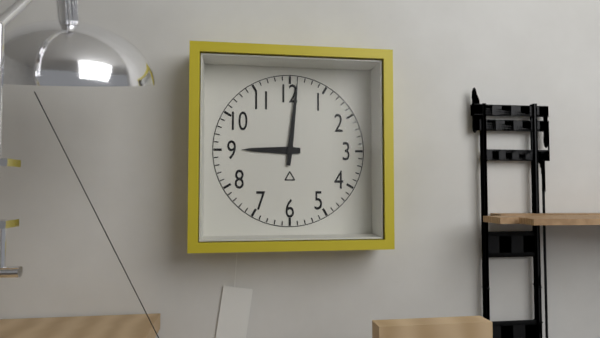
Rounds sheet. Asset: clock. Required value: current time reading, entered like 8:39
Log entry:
9:01
